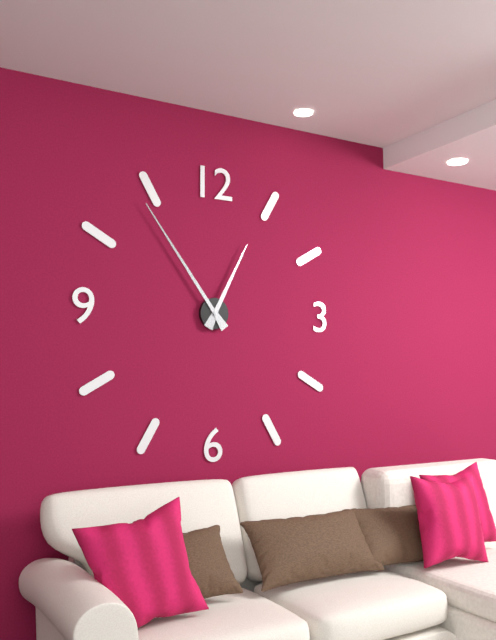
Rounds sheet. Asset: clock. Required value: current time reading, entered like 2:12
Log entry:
12:54
